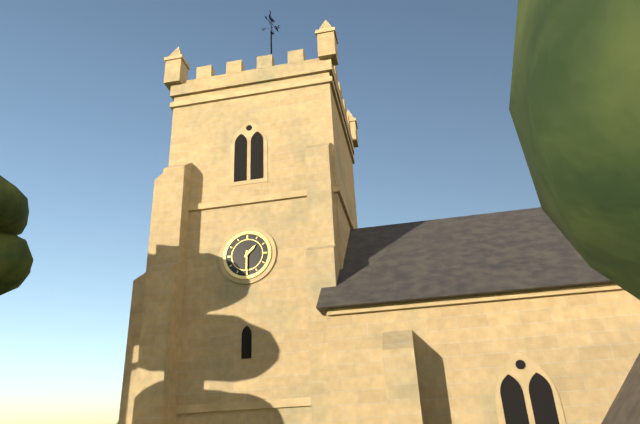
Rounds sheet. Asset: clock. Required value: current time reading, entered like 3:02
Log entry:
1:30
